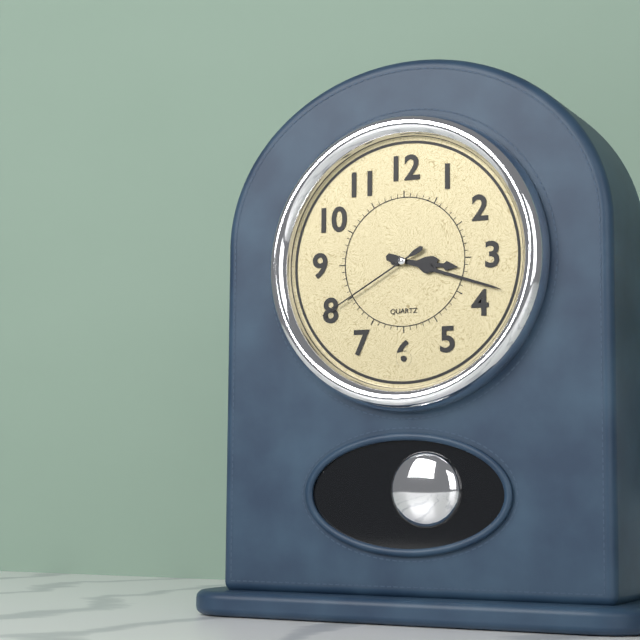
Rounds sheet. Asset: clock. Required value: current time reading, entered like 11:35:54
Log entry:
3:18:40
